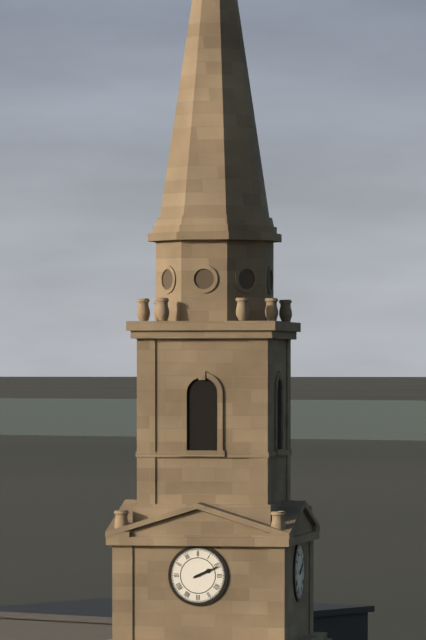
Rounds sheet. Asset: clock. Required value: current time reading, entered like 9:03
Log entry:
2:11
